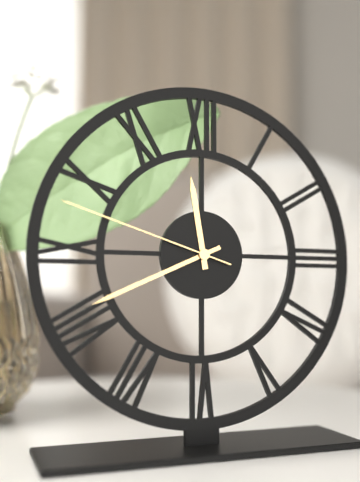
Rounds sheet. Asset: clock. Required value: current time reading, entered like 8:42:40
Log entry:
11:41:48
